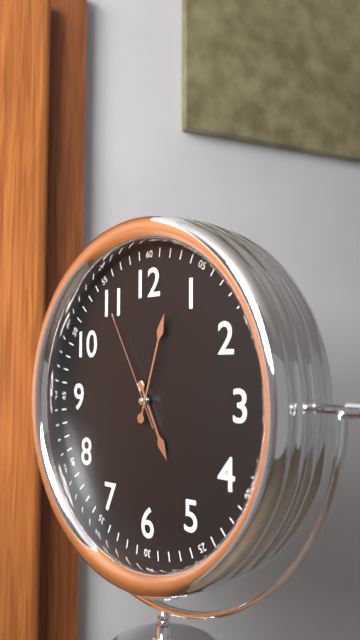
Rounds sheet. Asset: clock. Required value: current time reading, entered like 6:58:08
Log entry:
5:03:55
